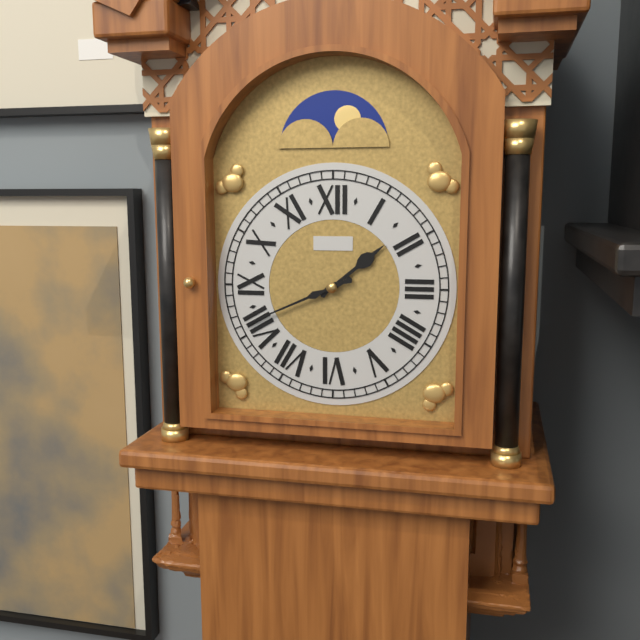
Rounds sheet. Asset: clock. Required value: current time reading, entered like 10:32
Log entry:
1:41
